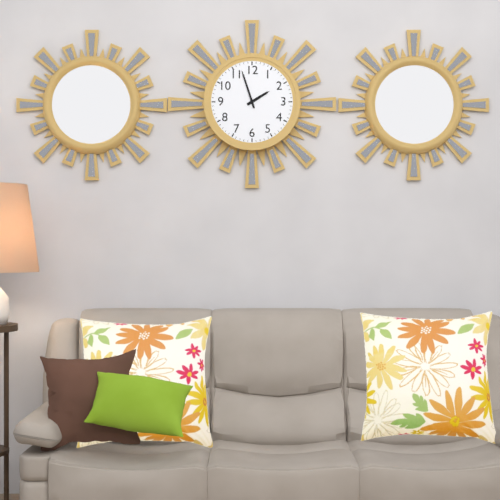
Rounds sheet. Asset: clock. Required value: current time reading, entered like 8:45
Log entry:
1:57
